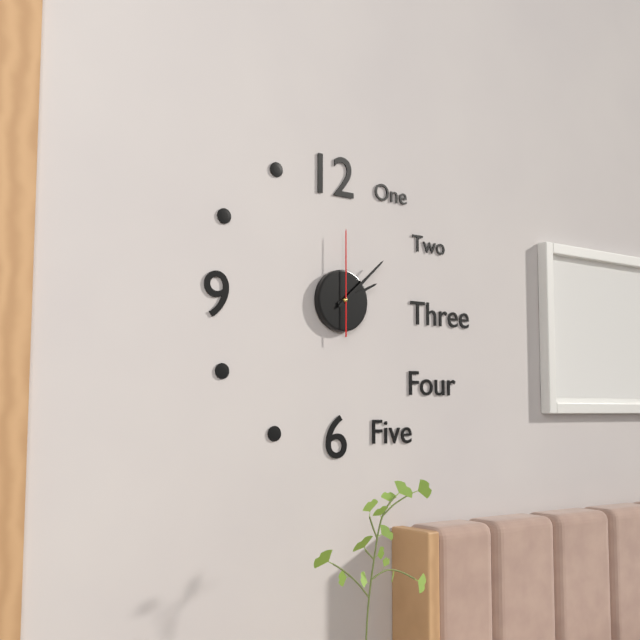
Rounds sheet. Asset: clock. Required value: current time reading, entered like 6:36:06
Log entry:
2:08:00
